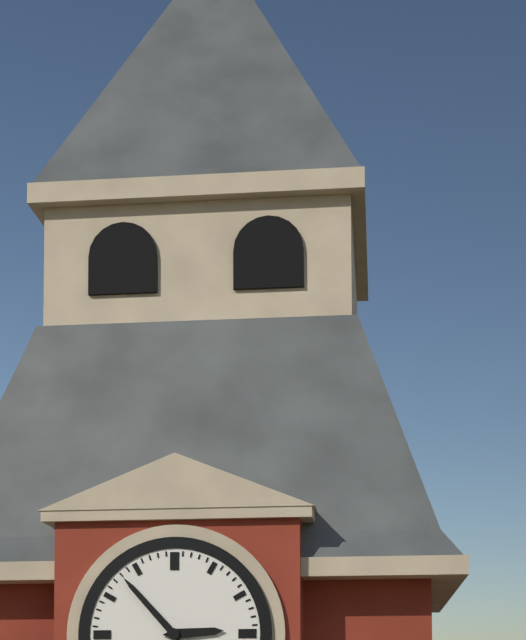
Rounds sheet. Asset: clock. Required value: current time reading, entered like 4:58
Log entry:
2:53
